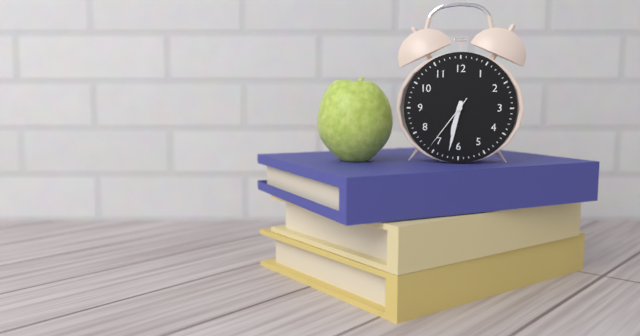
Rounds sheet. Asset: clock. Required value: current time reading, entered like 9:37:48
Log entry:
6:32:36
